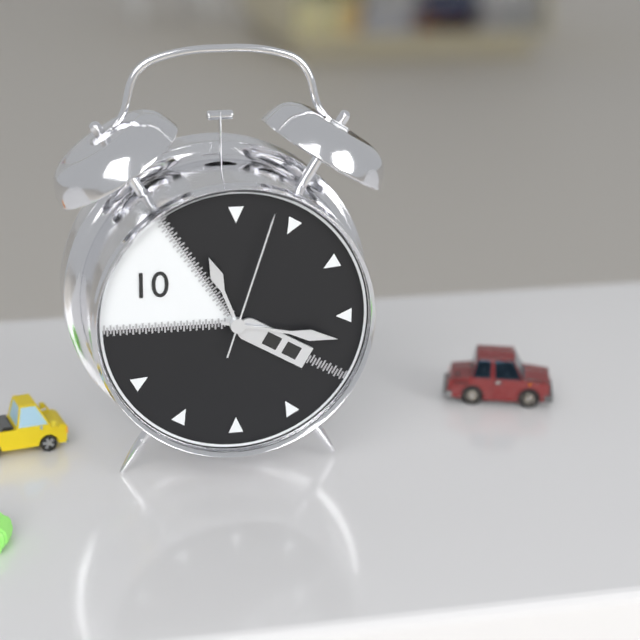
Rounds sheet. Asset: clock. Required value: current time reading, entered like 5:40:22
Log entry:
11:17:03
